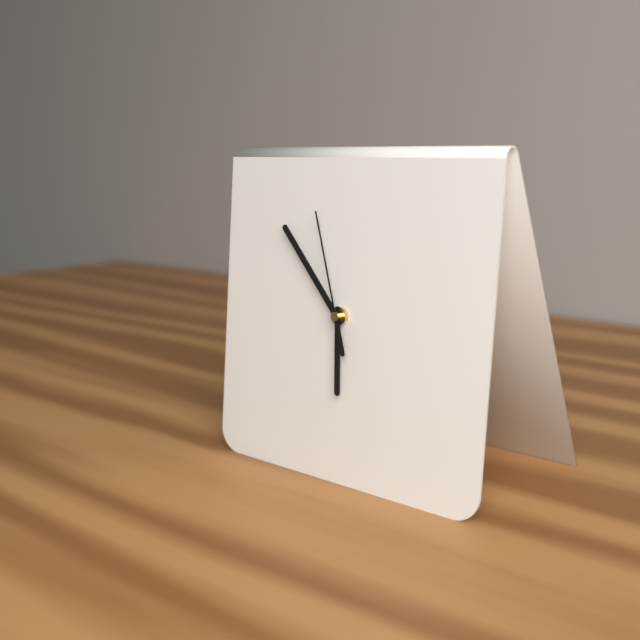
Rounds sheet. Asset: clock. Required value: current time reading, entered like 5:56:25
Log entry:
5:53:57
